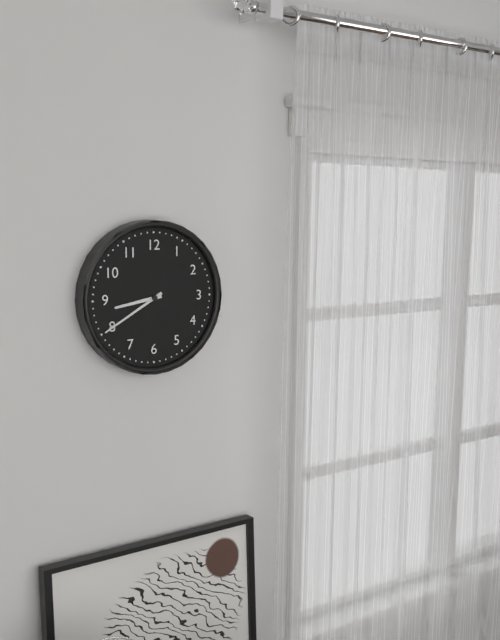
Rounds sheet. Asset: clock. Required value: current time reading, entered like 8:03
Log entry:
8:40
